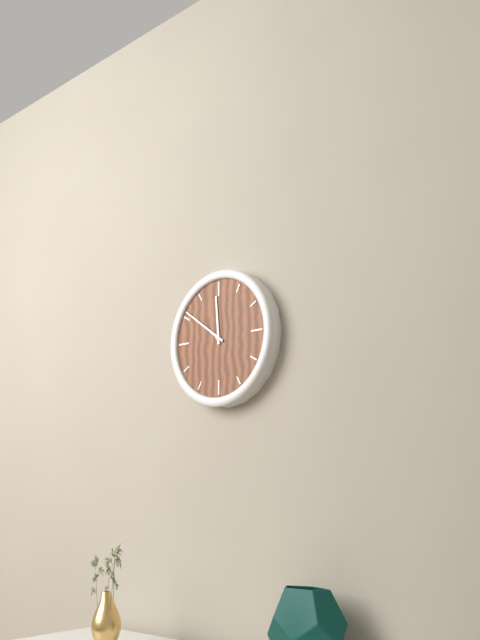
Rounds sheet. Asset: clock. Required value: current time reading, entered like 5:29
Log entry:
11:51
